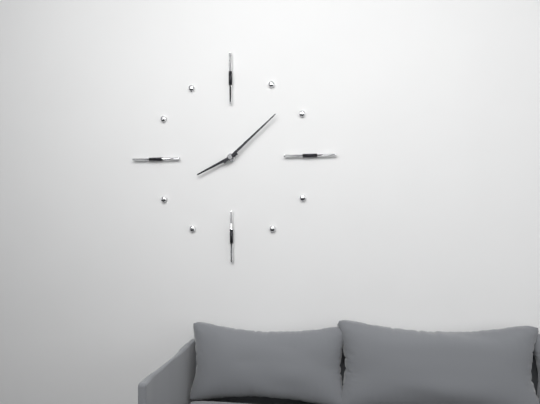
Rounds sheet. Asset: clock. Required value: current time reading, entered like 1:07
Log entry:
8:08
